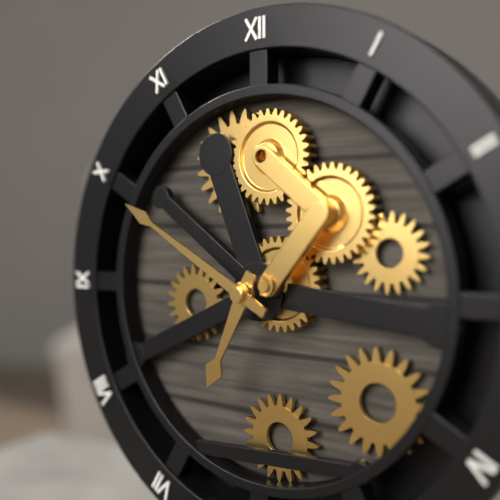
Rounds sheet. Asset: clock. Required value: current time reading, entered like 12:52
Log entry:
6:50
